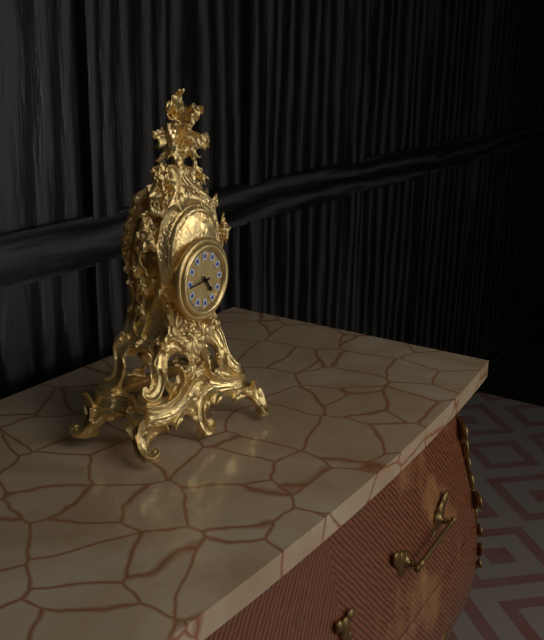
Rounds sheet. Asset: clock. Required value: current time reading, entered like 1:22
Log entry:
4:44
